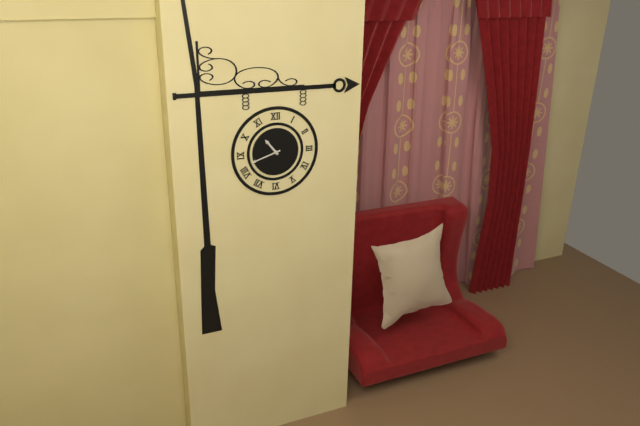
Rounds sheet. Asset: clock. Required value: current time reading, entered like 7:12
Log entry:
10:42
